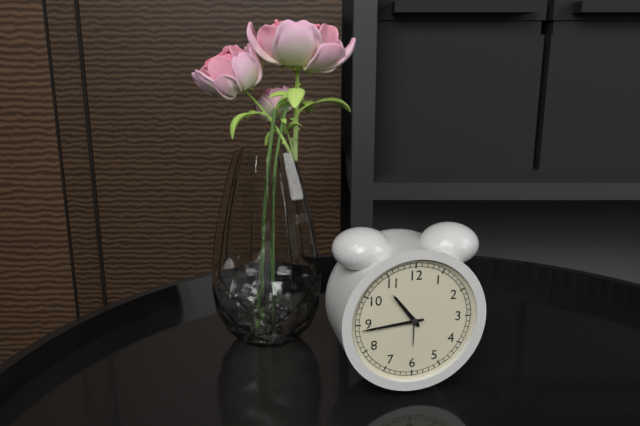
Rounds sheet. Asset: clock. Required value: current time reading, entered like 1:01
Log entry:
10:44
